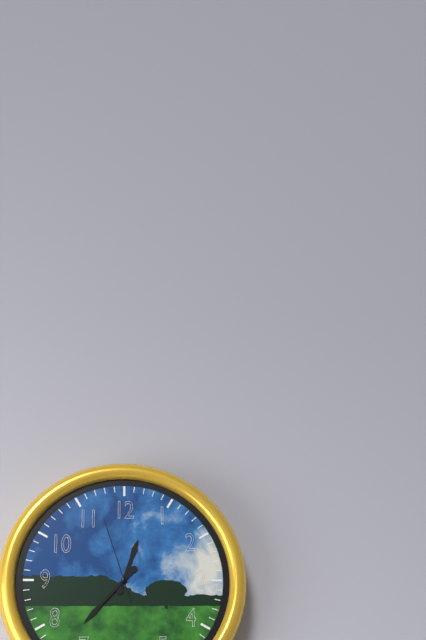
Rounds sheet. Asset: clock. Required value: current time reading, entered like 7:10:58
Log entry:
12:37:57
